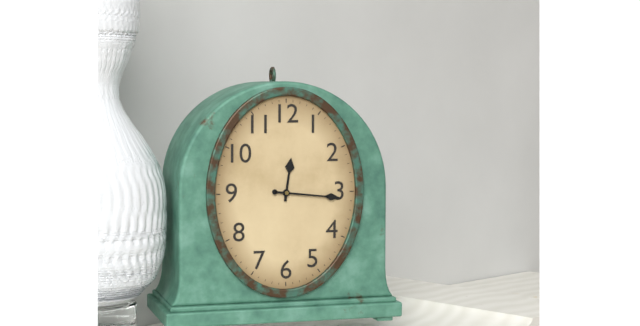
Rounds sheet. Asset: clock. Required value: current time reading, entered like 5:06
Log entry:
12:16
